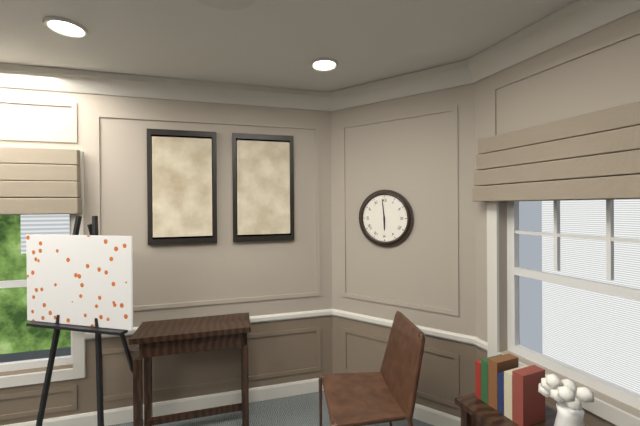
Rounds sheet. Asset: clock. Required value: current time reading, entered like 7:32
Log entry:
5:59
